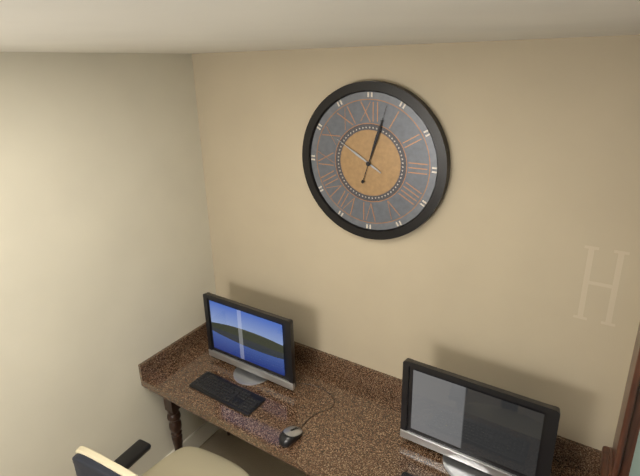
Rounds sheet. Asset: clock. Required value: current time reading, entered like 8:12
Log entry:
10:03
